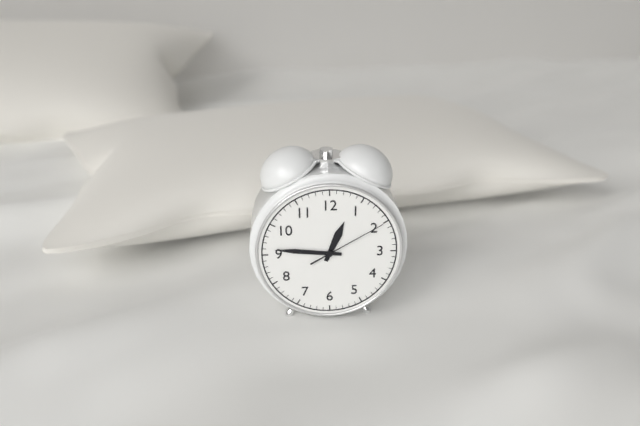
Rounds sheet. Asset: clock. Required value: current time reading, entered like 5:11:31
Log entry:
12:46:10
